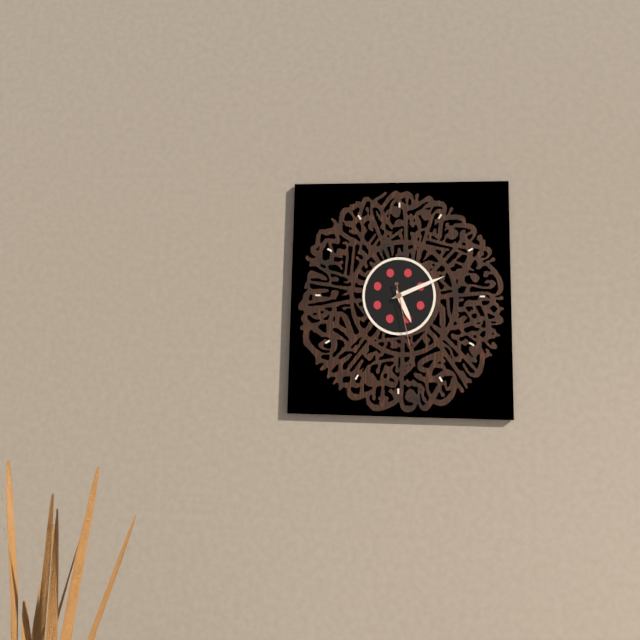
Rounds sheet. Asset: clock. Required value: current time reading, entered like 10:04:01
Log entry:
5:11:28
